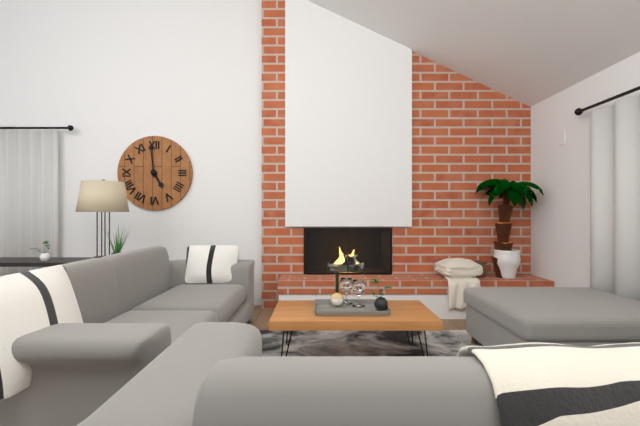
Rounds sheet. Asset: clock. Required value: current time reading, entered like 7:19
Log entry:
4:59
